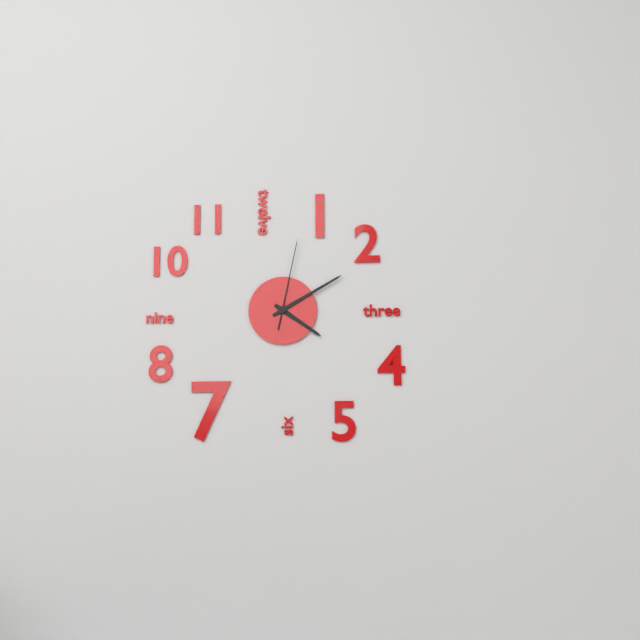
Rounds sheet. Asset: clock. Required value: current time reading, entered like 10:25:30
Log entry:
4:10:02
